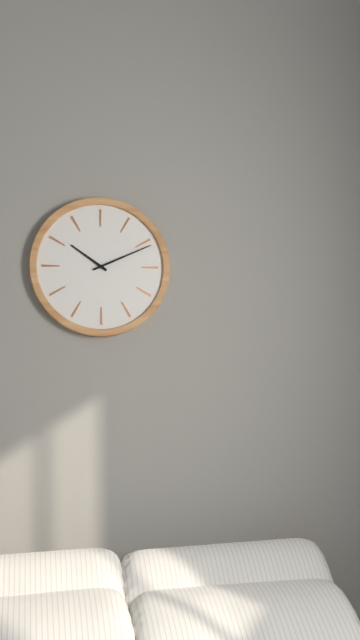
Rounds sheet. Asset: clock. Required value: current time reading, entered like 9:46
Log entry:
10:11
